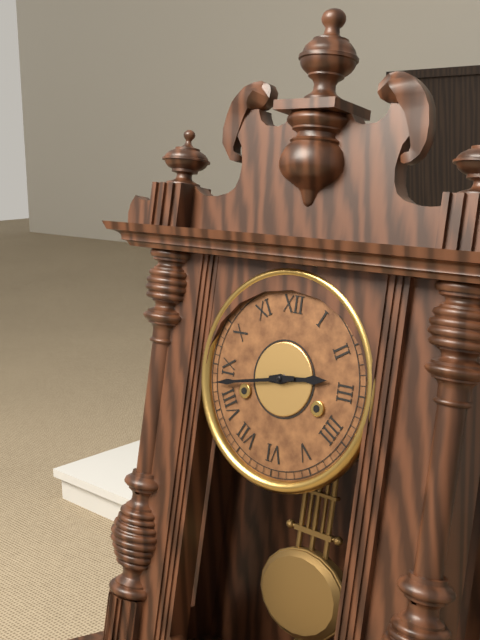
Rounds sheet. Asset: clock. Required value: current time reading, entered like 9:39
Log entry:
2:43
